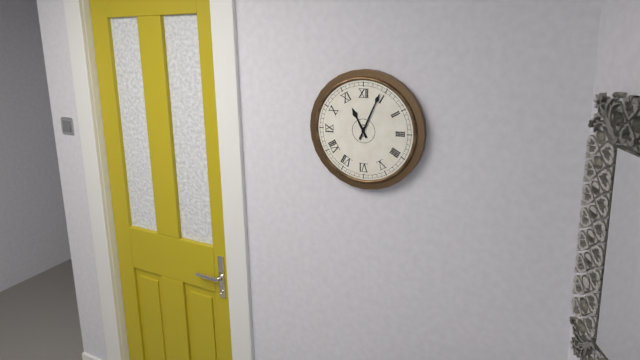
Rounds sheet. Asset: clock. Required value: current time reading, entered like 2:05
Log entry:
11:04
